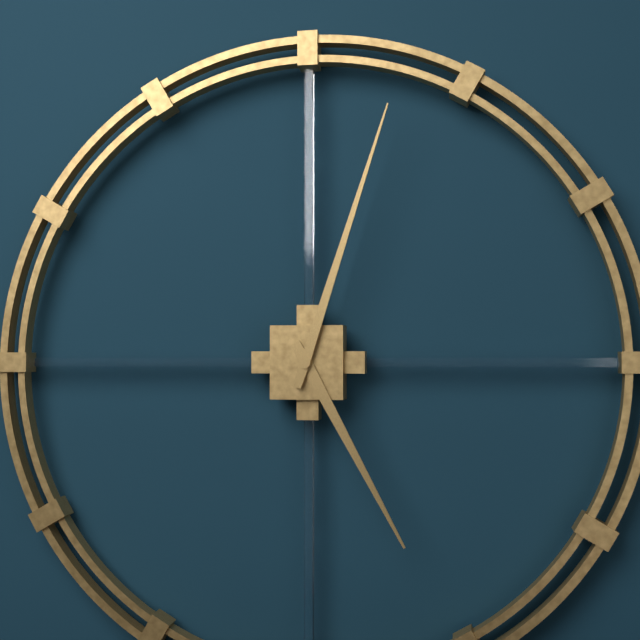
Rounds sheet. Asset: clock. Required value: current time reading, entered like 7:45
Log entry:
5:03
